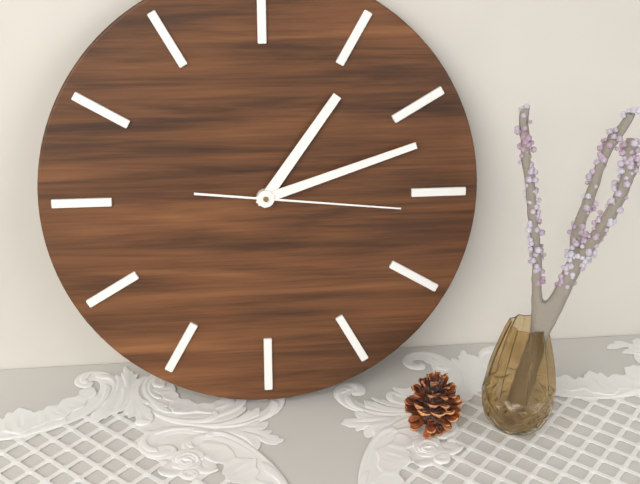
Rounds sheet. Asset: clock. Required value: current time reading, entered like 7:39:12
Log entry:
1:12:16
